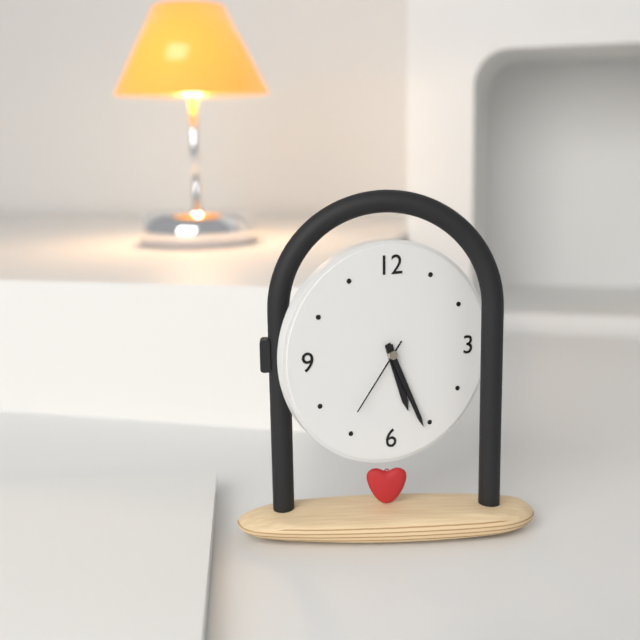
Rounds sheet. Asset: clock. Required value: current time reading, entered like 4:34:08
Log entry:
5:26:36
